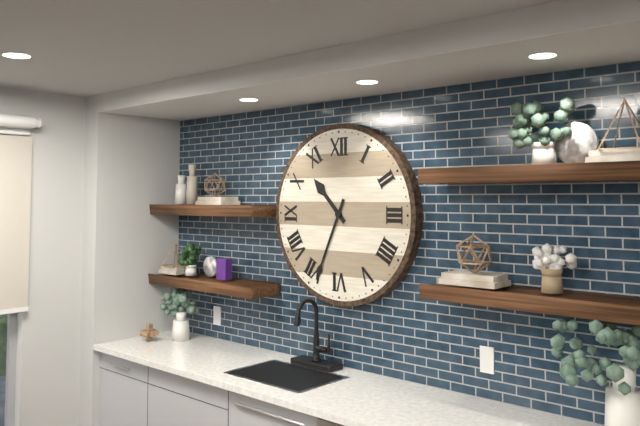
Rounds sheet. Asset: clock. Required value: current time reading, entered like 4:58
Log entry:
10:34
